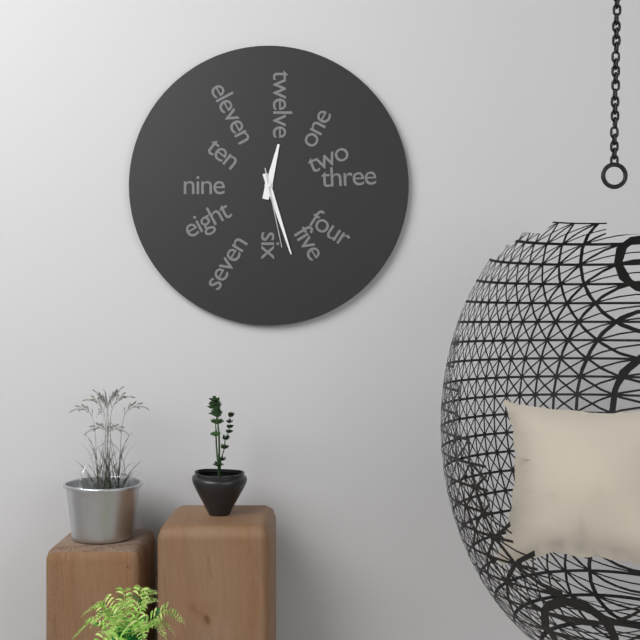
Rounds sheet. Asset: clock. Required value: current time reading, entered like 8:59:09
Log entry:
12:27:28
